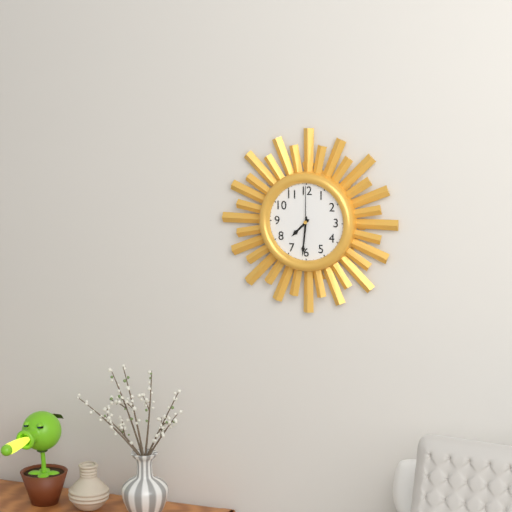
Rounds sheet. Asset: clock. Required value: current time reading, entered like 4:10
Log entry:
7:31
